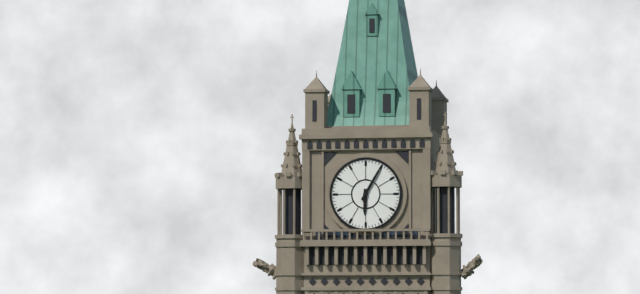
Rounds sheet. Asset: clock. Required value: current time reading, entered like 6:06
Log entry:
6:05
